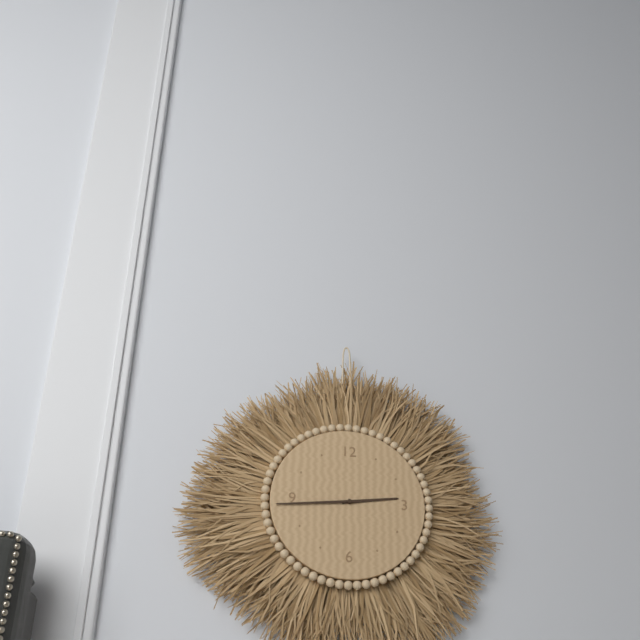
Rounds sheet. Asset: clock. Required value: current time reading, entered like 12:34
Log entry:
2:44
